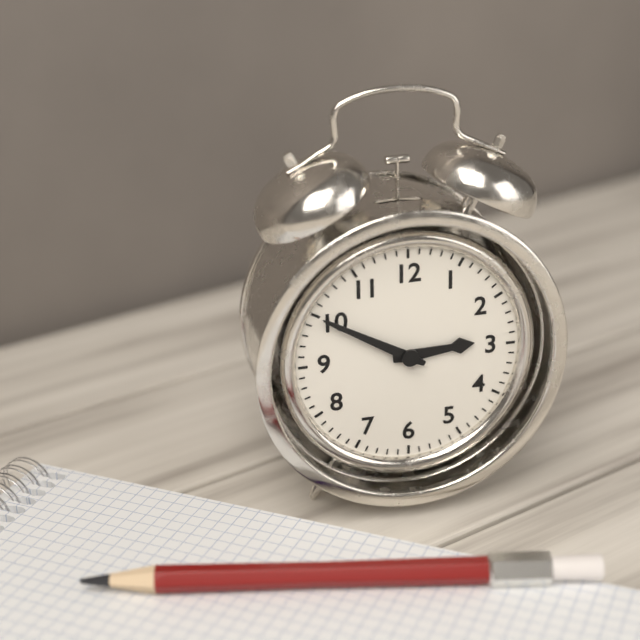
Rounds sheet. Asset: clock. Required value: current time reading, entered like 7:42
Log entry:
2:50
